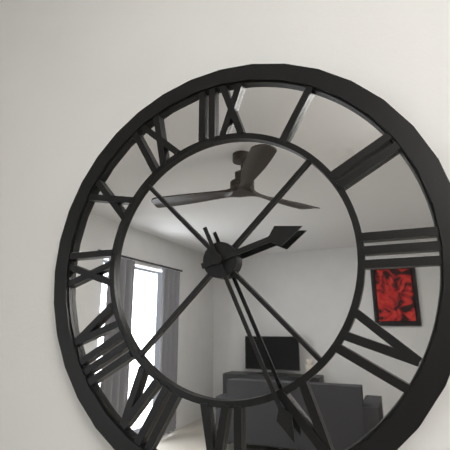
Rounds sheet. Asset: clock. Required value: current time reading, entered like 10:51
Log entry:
2:26
